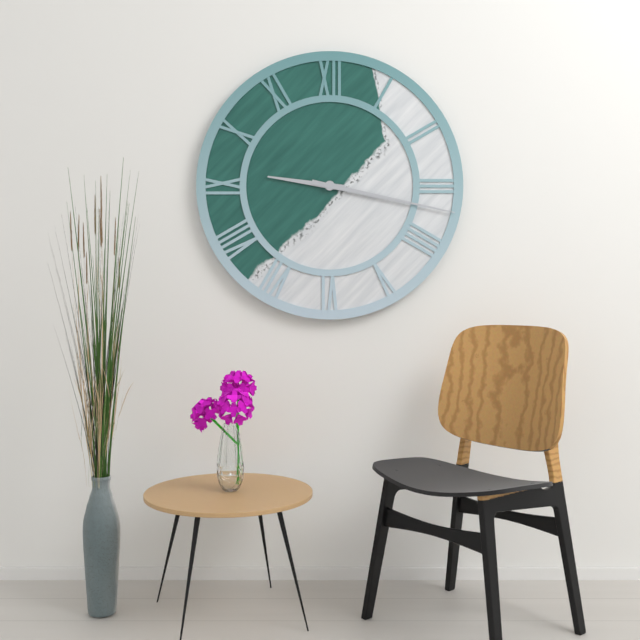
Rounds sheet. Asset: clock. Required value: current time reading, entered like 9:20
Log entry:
9:17
